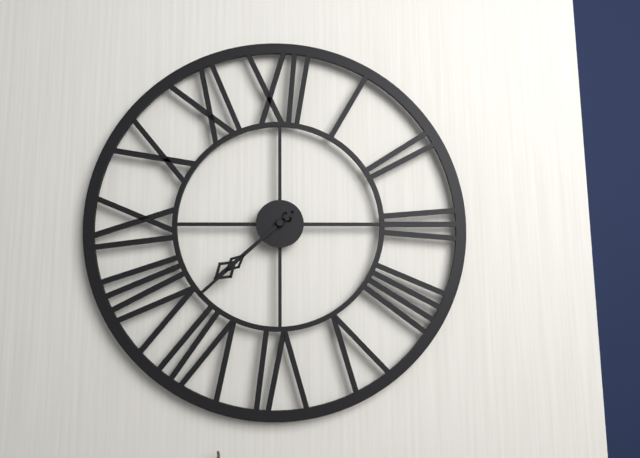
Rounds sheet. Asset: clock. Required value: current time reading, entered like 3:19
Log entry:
7:38
